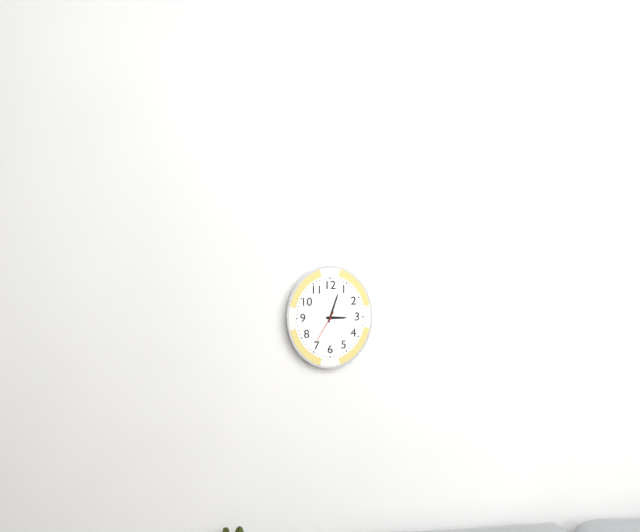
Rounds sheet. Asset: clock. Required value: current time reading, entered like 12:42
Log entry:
3:03
